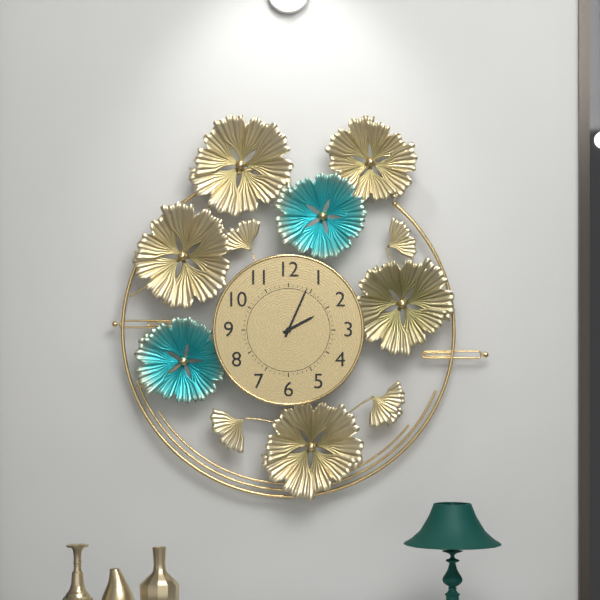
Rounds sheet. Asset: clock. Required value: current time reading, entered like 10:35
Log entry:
2:04
